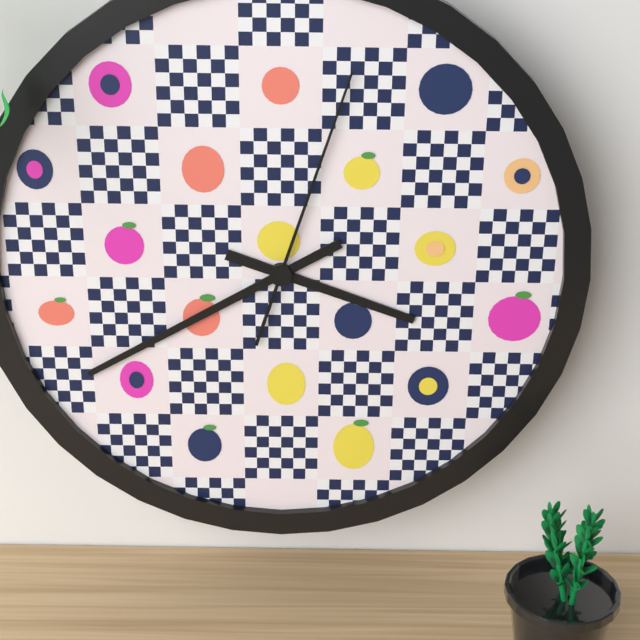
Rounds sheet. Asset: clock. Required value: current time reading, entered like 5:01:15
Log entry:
3:40:03
